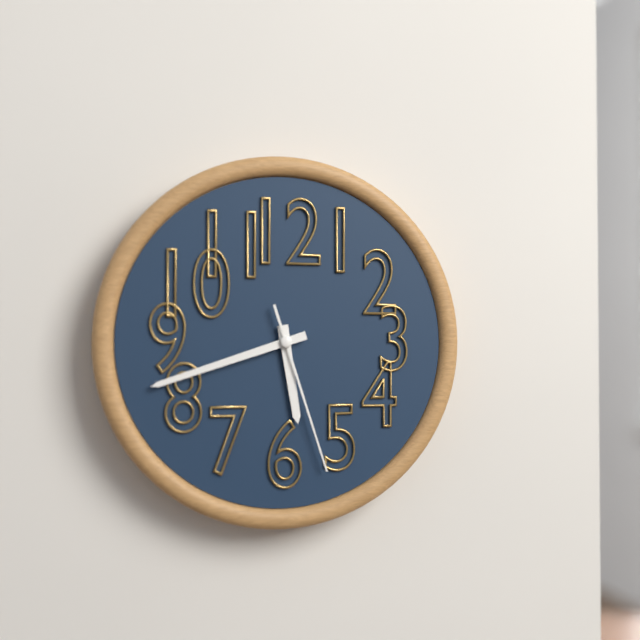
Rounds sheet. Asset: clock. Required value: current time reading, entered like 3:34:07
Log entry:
5:42:27
